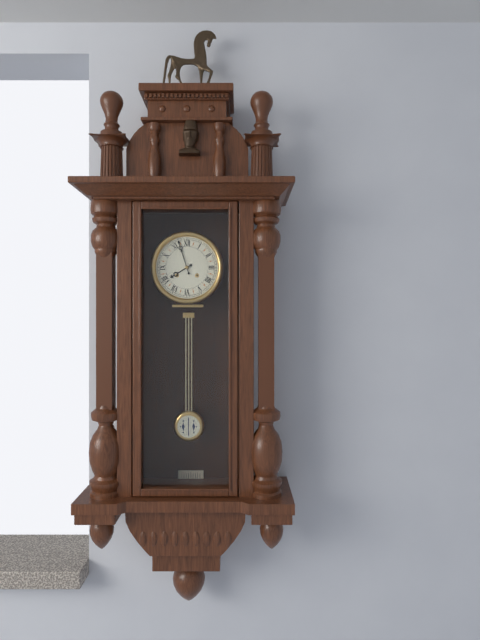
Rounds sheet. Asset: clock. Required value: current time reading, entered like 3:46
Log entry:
7:57
